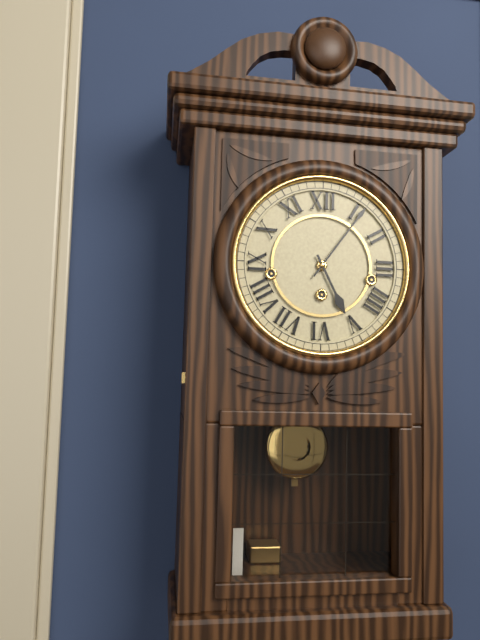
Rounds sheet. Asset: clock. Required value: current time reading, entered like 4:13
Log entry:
5:06
